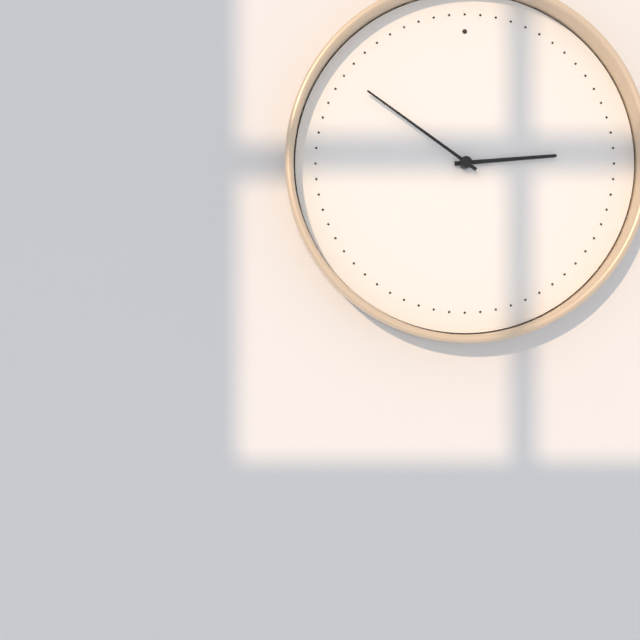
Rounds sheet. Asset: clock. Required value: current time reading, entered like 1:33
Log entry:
2:51
